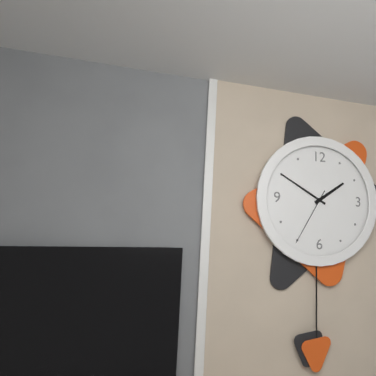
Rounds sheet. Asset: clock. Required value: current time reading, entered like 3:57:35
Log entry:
1:50:35
